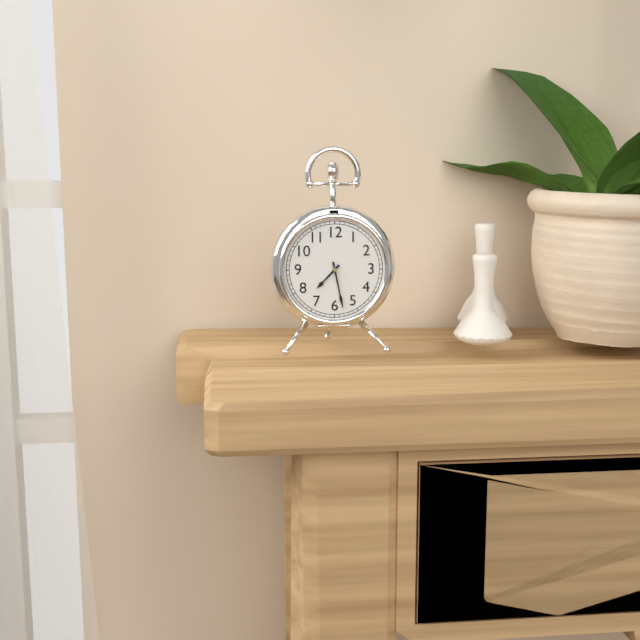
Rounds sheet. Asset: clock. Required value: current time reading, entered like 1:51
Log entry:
7:28
